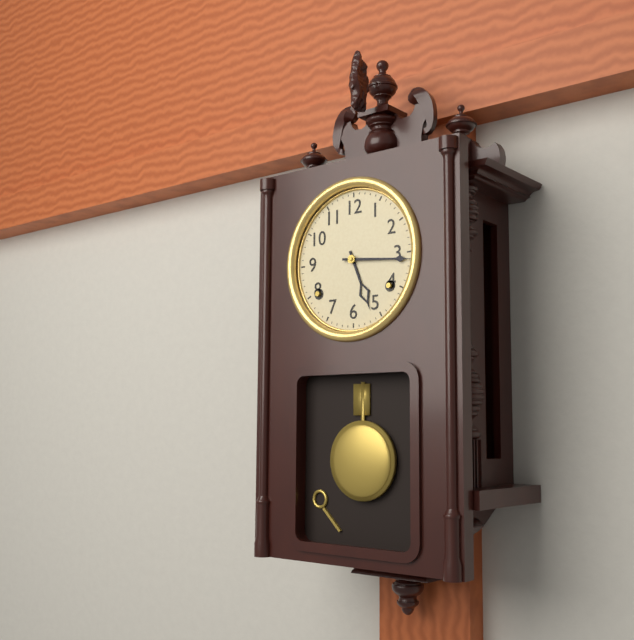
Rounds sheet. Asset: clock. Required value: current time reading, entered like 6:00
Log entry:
5:16
